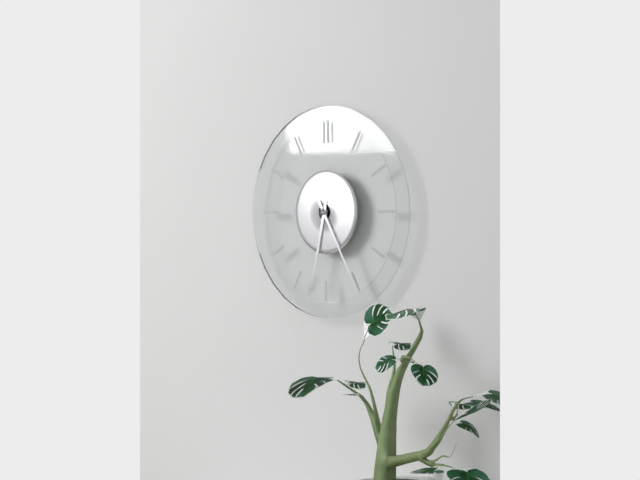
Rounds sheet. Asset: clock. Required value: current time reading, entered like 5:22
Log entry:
6:25
